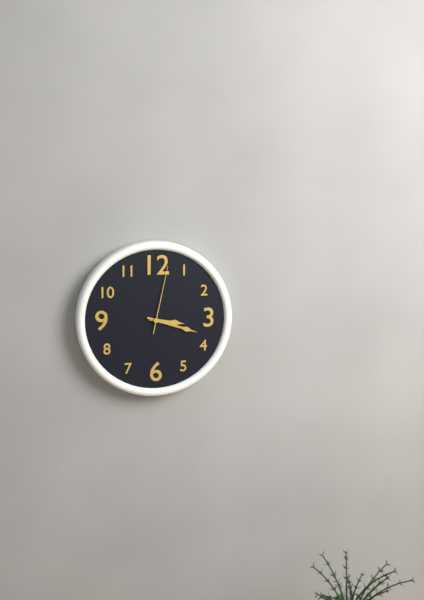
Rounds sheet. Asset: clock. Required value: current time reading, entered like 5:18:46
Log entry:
3:18:02
